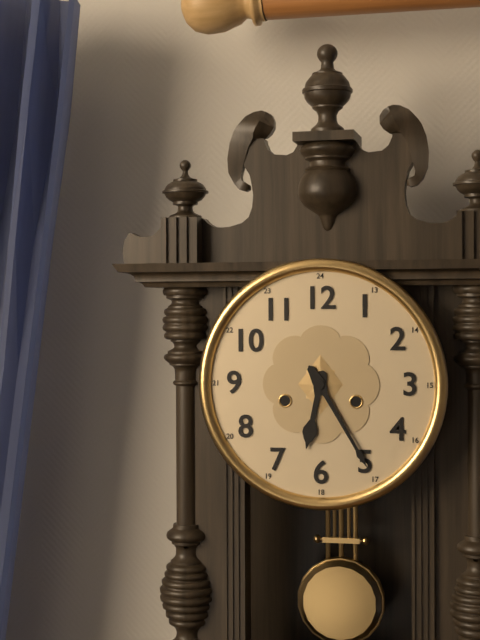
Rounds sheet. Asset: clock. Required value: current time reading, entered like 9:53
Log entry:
6:25
